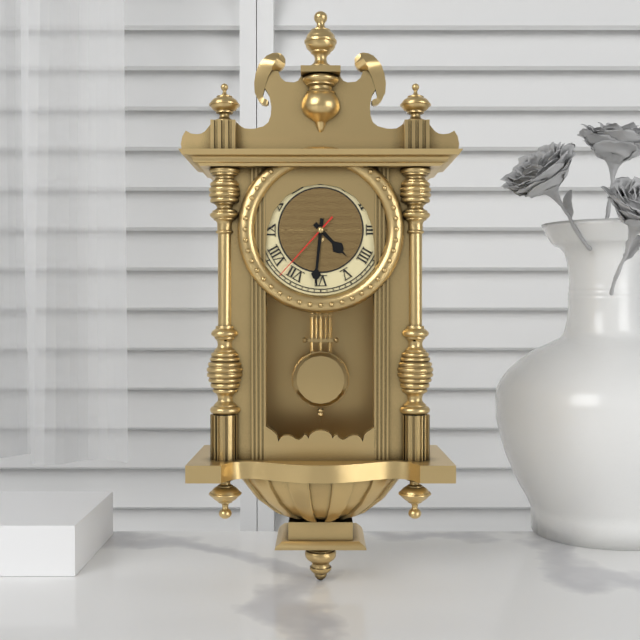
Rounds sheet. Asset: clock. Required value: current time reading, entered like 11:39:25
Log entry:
4:31:37
